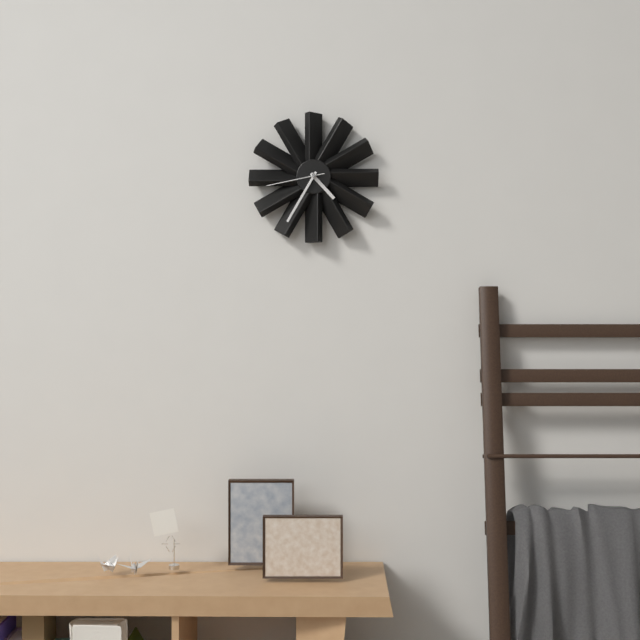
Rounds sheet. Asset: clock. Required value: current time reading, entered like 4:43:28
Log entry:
4:35:43
